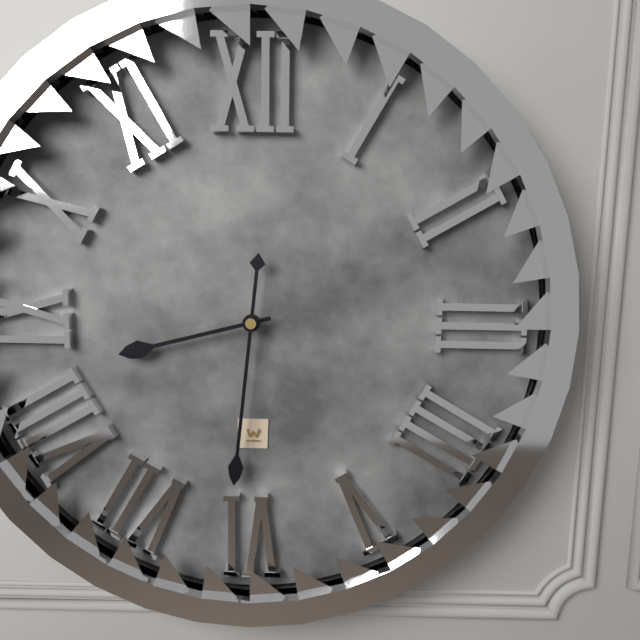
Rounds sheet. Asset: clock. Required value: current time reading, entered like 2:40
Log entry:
8:31
